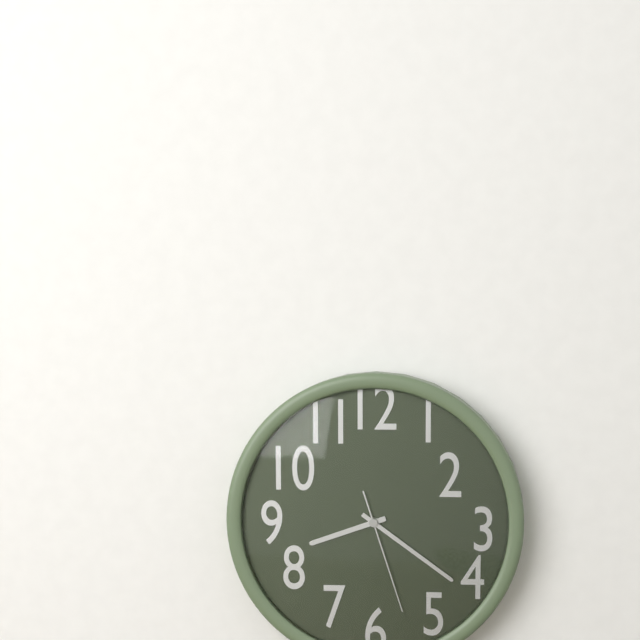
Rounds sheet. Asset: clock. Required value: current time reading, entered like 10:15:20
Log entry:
8:21:27
